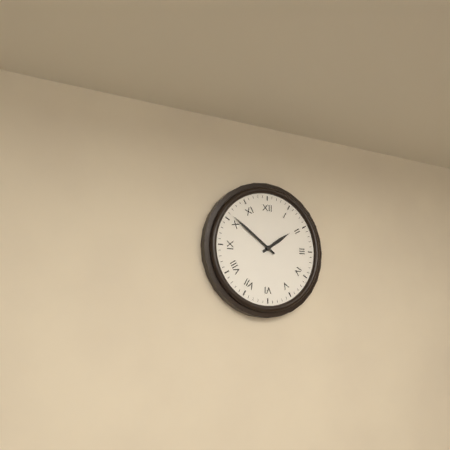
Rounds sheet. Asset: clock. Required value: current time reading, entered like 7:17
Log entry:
1:51
